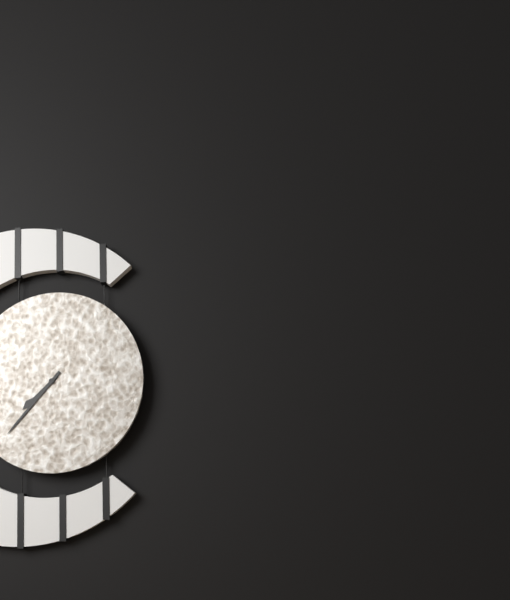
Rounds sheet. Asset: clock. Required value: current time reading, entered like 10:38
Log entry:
7:37
